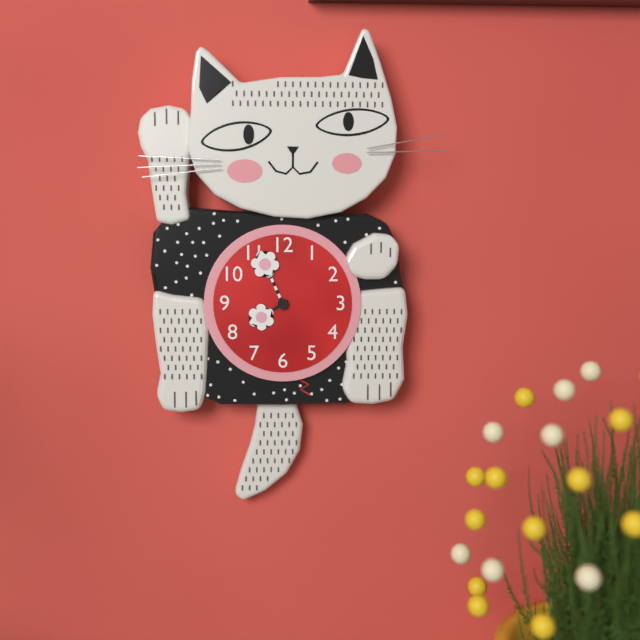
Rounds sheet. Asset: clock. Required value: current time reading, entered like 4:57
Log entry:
7:56
